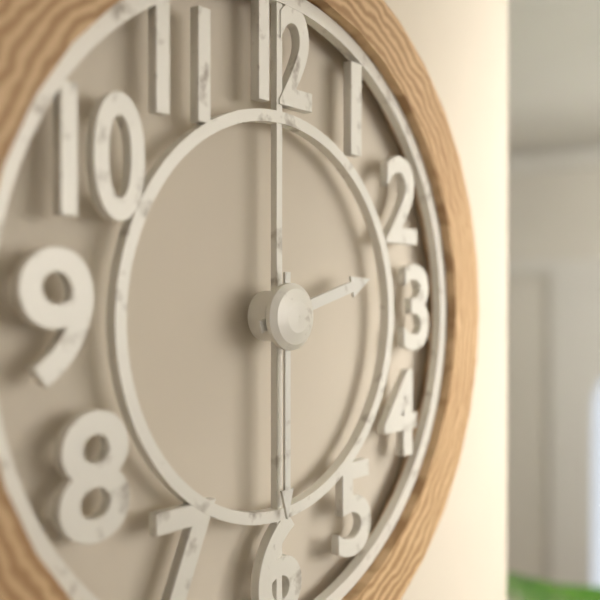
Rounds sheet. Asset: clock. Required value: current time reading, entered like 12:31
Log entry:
2:30
